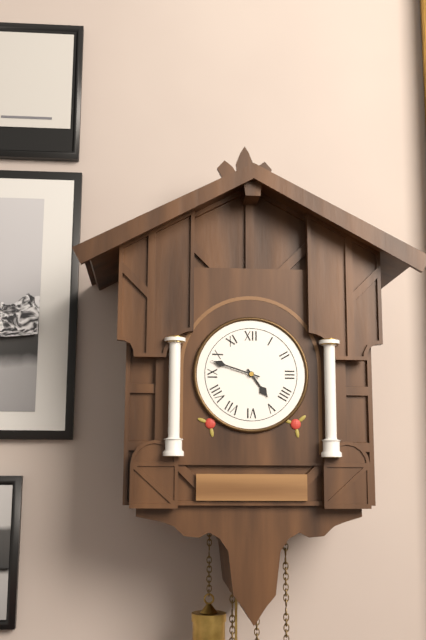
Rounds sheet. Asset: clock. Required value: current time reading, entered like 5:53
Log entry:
4:48
